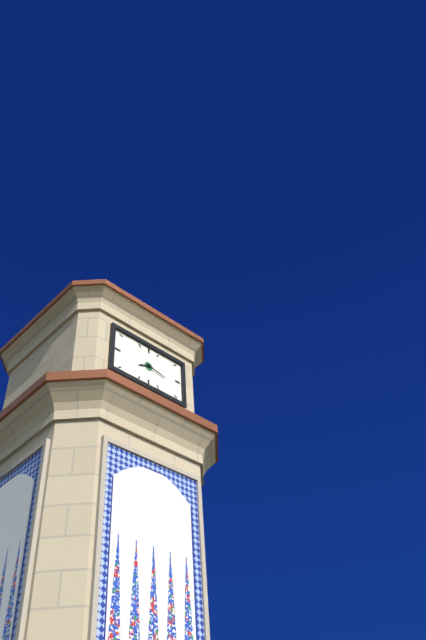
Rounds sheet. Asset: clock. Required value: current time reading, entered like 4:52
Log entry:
8:17
